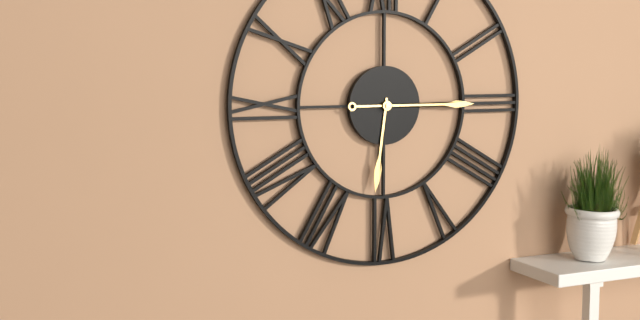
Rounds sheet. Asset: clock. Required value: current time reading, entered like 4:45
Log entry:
6:15
